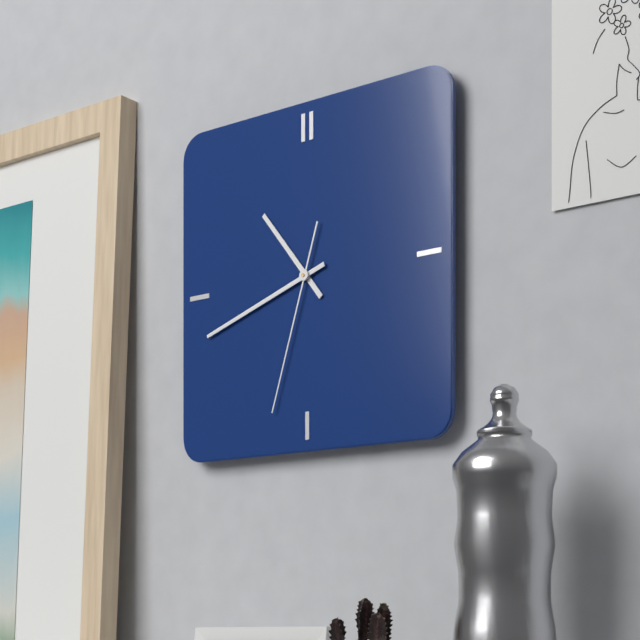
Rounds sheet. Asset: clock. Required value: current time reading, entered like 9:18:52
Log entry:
10:42:33
